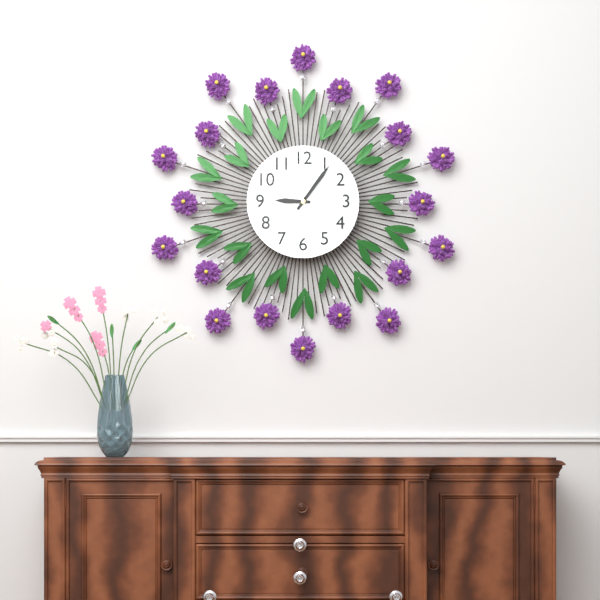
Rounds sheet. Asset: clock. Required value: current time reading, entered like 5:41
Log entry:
9:06
